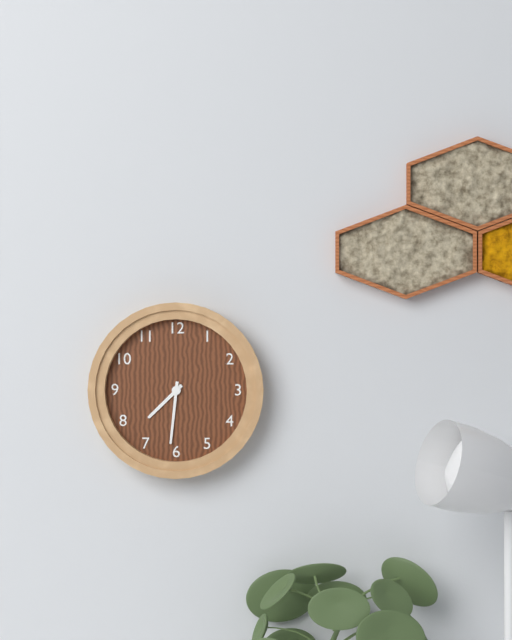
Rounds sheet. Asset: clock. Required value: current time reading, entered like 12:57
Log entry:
7:31
